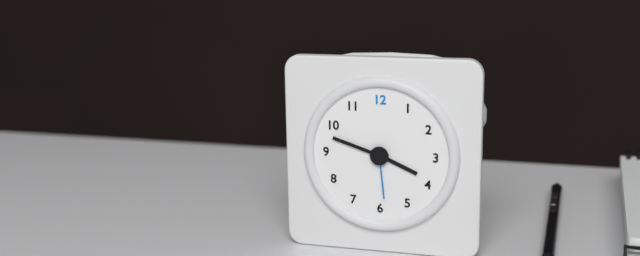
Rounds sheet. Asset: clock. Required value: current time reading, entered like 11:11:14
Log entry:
3:48:29
